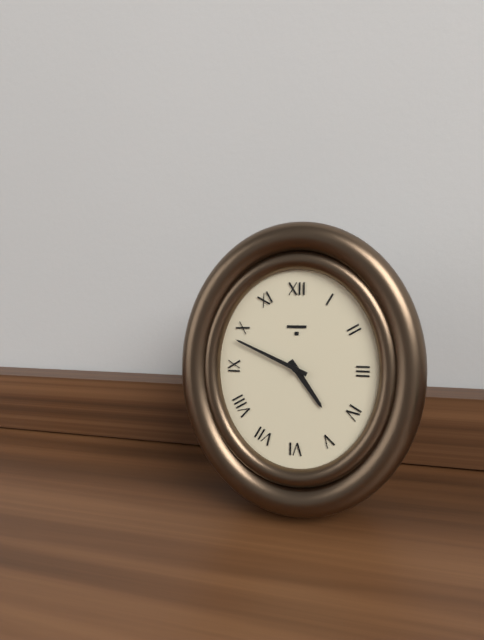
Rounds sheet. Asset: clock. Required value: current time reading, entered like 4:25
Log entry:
4:49
